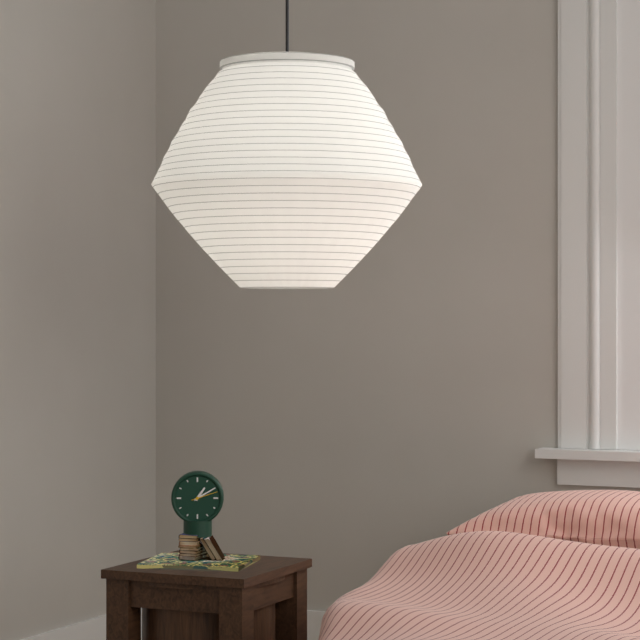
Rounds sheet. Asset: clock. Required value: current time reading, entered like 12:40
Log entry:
1:10
